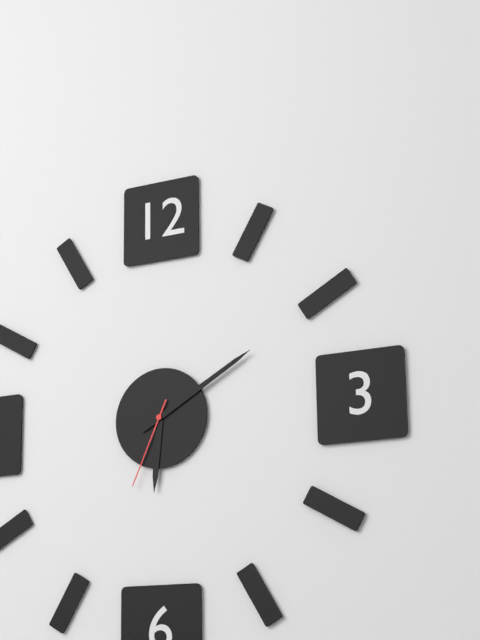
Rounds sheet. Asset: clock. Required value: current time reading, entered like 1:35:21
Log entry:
6:10:34
